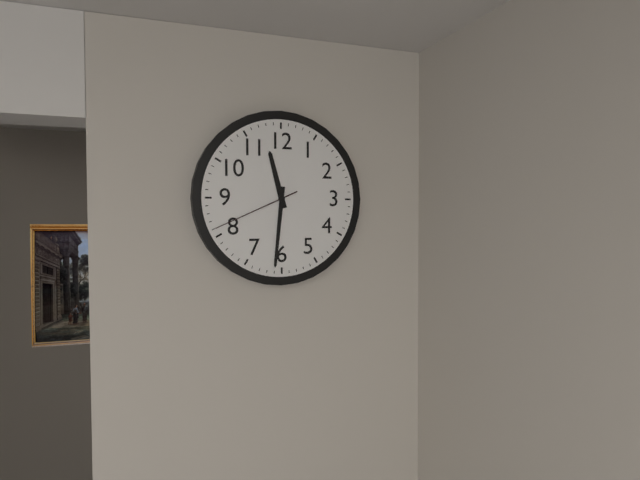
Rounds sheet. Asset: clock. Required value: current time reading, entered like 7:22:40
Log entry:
11:31:41
